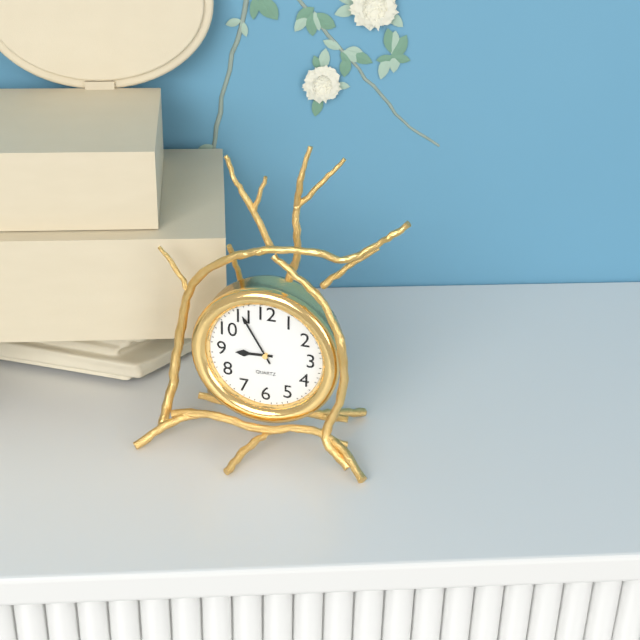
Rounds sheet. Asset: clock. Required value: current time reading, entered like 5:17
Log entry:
8:55
